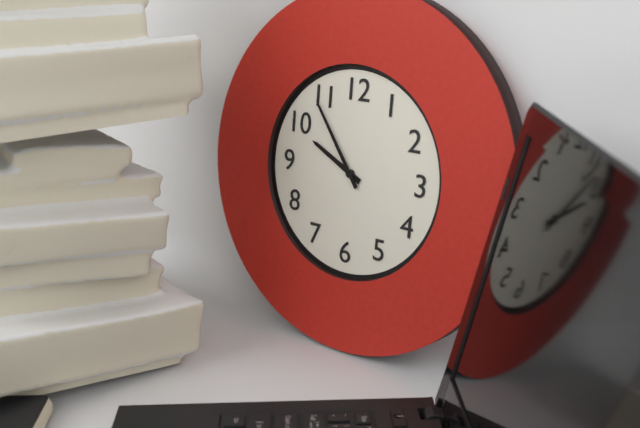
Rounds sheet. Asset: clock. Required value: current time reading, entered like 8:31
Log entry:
9:54
